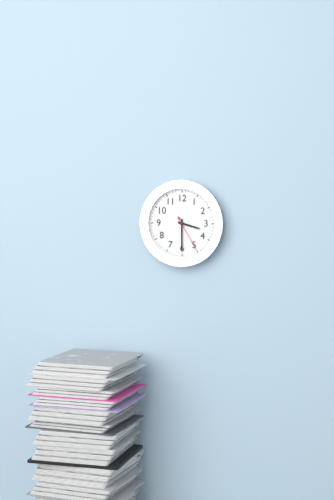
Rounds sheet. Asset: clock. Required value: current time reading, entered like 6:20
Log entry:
3:30
